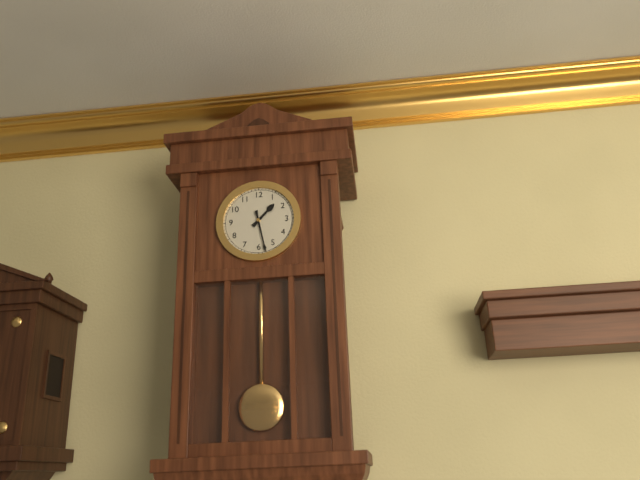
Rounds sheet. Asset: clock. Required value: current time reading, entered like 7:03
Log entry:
1:28
